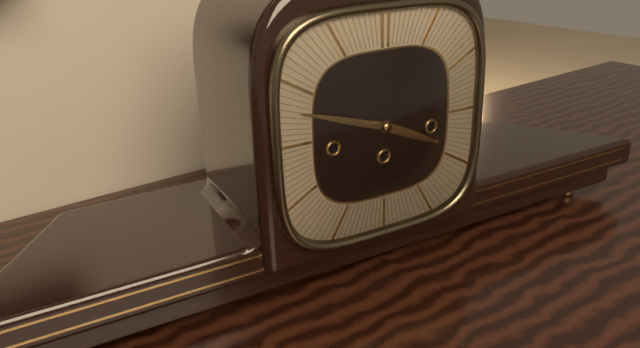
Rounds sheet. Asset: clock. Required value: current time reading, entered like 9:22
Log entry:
3:48
